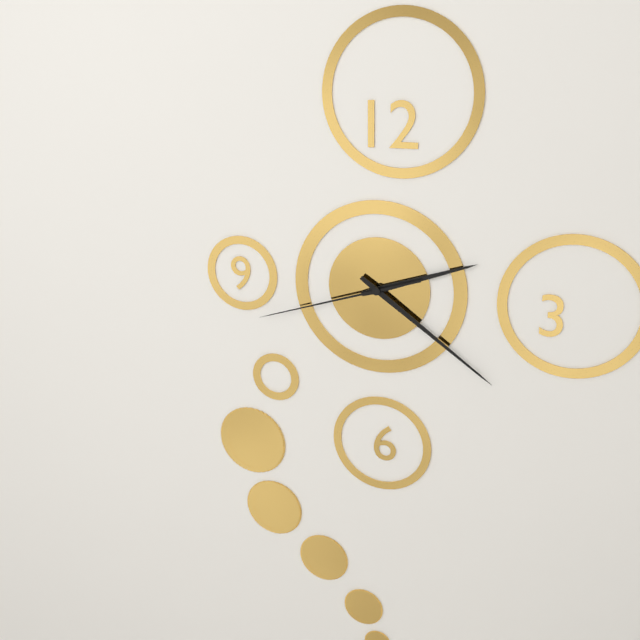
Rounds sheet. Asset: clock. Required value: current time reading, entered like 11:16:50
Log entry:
2:21:42
